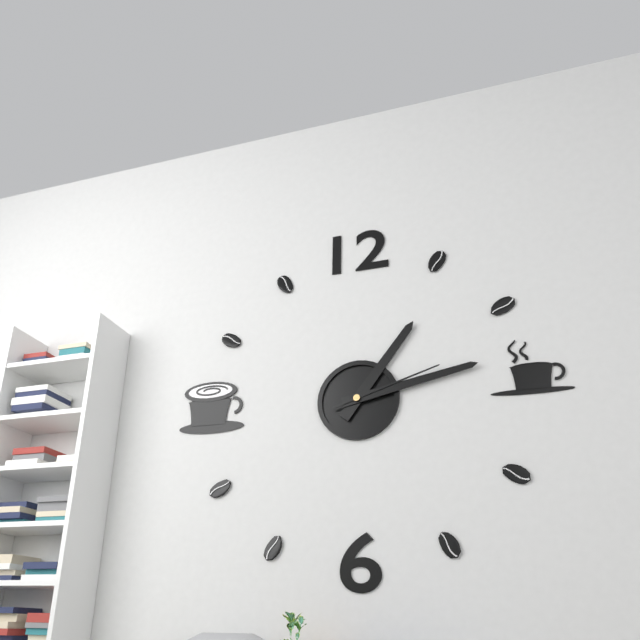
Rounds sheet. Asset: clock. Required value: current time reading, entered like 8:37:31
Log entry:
1:13:12
